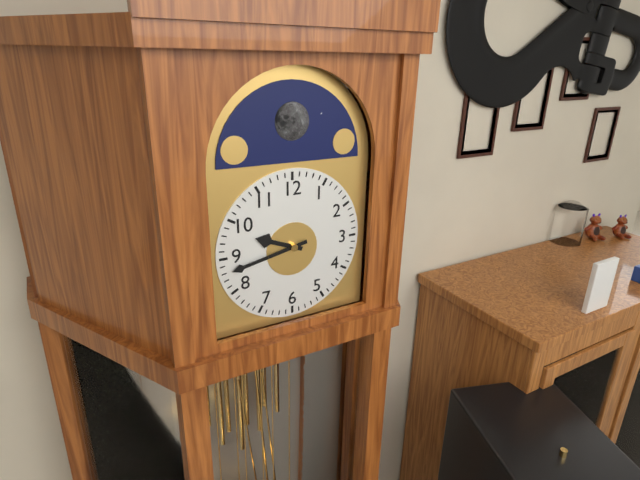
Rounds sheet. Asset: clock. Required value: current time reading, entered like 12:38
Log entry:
9:43
